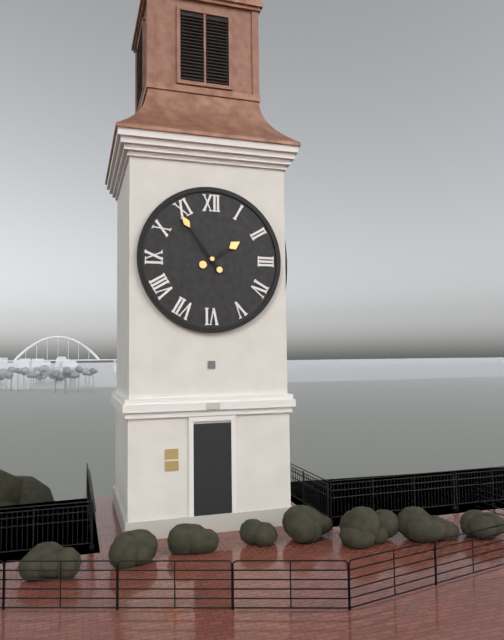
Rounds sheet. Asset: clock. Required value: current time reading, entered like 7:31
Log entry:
1:54
